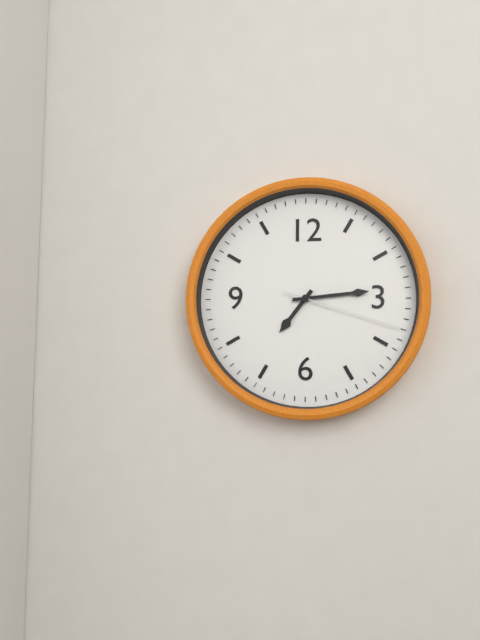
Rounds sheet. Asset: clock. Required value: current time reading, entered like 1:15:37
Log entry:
7:14:18
